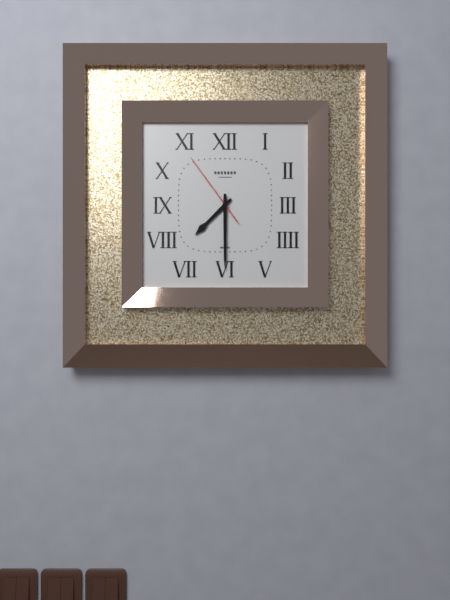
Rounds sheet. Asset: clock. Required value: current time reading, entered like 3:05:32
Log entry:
7:30:54
